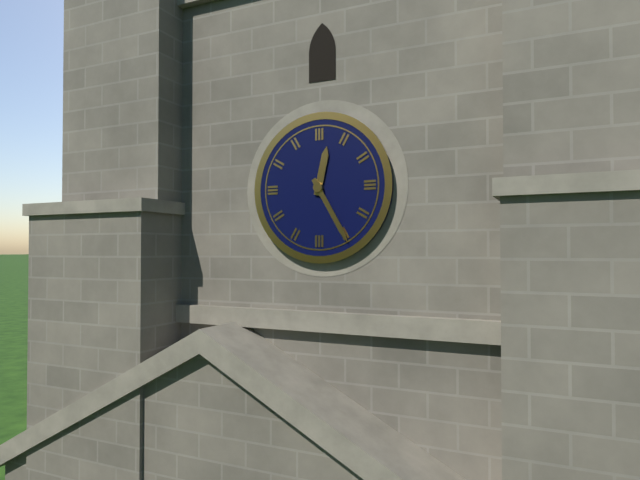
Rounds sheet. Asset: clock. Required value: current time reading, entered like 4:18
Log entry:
12:25
